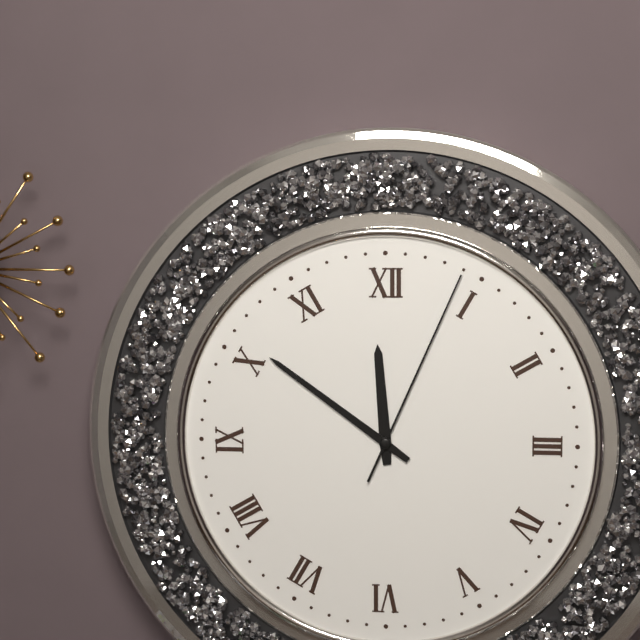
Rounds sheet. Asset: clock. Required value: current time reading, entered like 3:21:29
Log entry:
11:51:04
